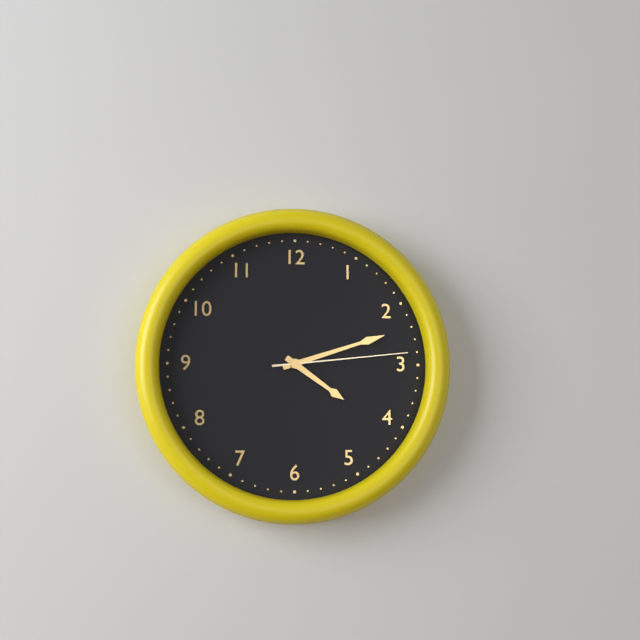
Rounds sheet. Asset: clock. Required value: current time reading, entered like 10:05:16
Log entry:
4:12:14
